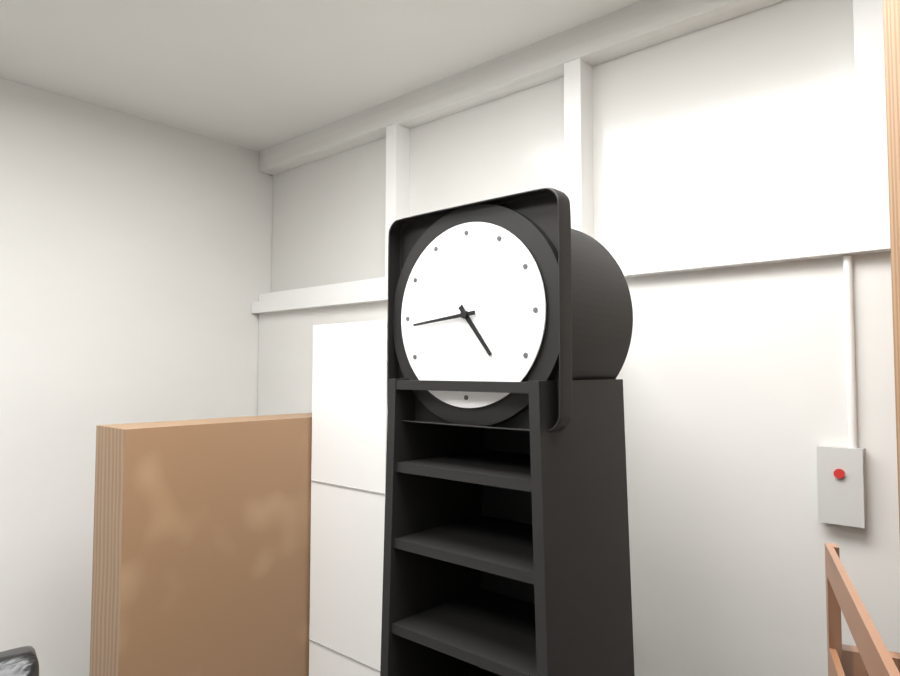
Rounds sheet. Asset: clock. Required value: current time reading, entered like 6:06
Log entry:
4:44
